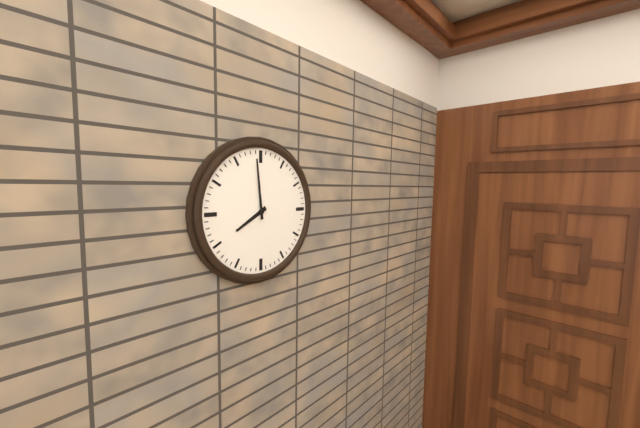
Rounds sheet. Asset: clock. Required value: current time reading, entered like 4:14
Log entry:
7:59
